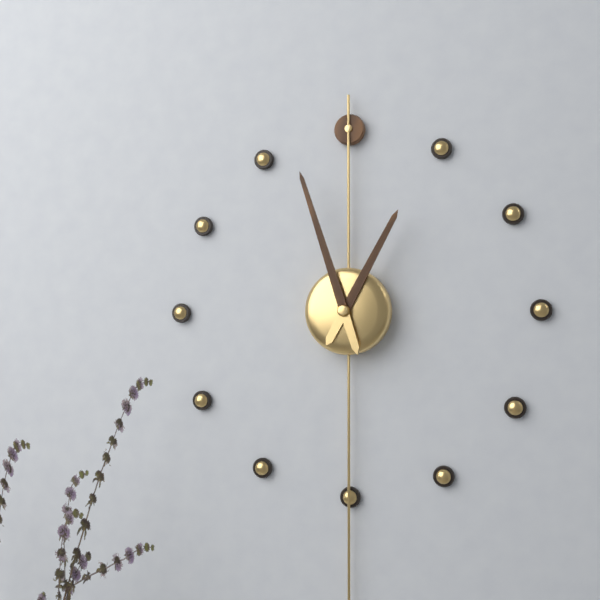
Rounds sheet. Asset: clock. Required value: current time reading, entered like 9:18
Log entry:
12:57
